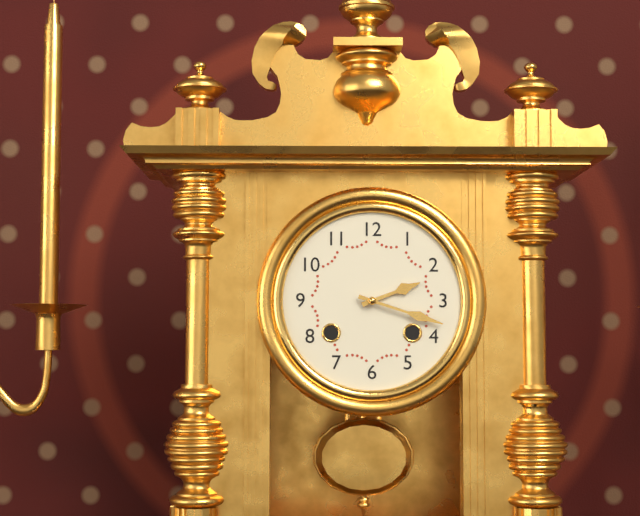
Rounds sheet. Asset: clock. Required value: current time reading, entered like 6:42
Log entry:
2:18
